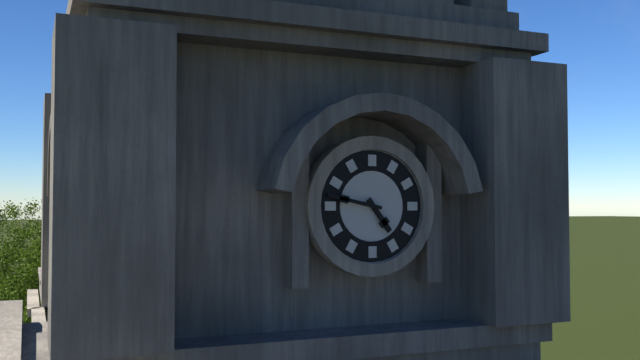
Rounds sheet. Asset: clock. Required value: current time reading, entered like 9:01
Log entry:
4:47
